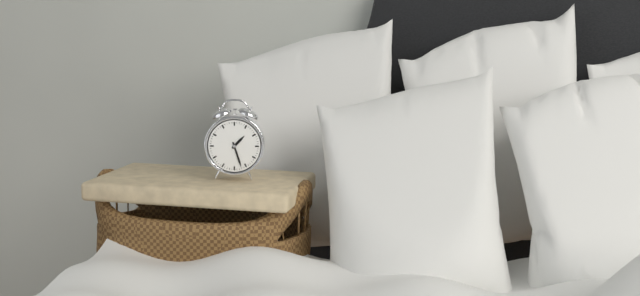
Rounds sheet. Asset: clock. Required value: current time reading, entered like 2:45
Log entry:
1:27
